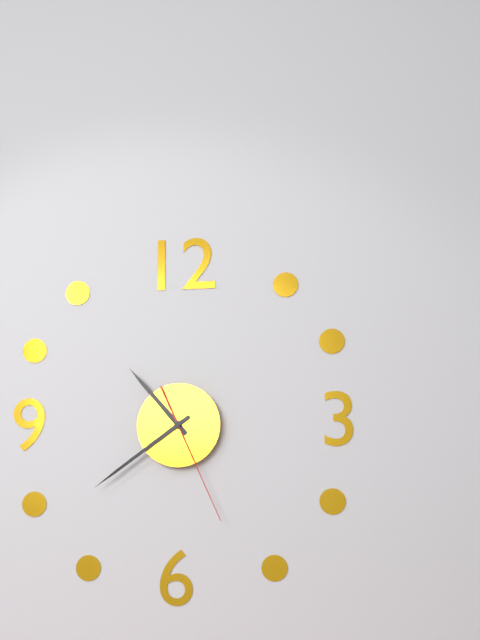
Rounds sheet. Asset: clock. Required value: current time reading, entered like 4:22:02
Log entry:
10:39:26
